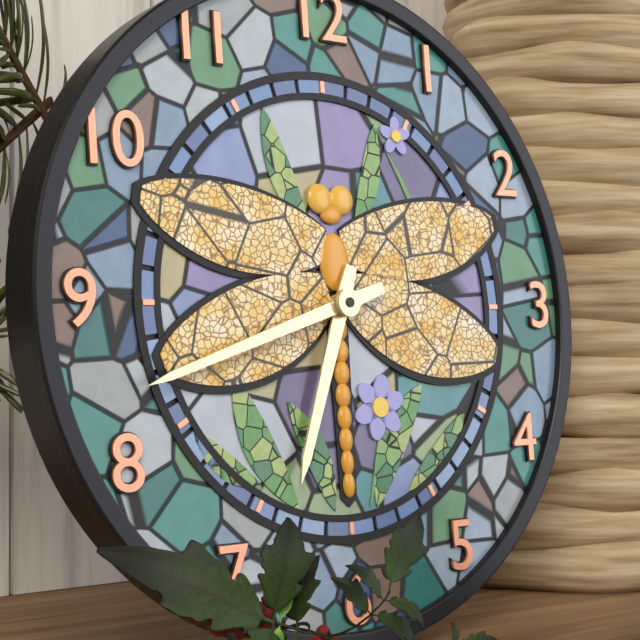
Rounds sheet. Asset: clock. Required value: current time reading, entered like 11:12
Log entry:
6:42
